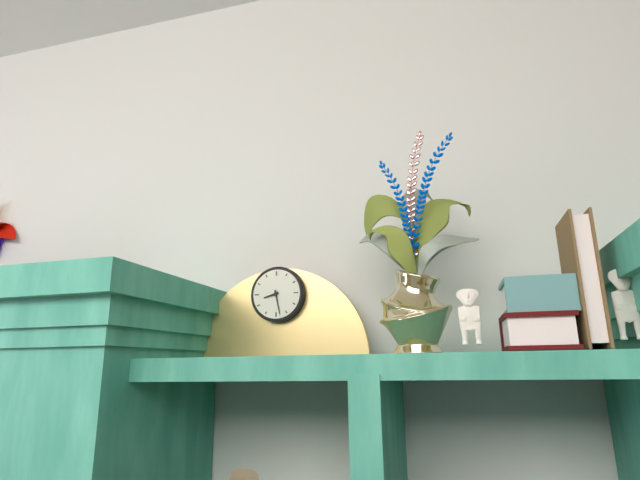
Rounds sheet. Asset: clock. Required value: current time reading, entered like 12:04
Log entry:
8:28
